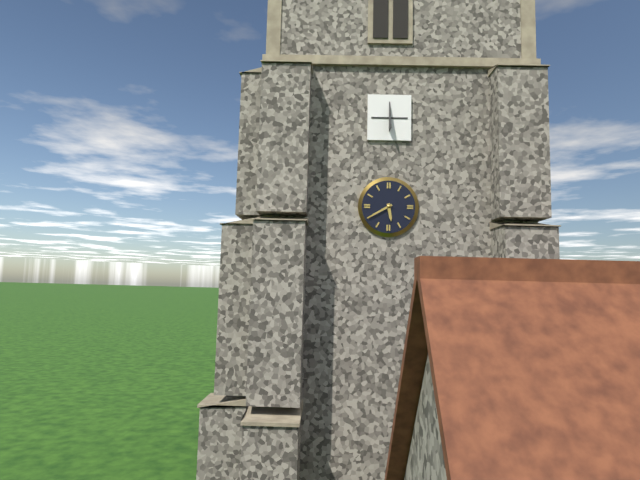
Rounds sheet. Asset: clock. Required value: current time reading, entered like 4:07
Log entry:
5:40
